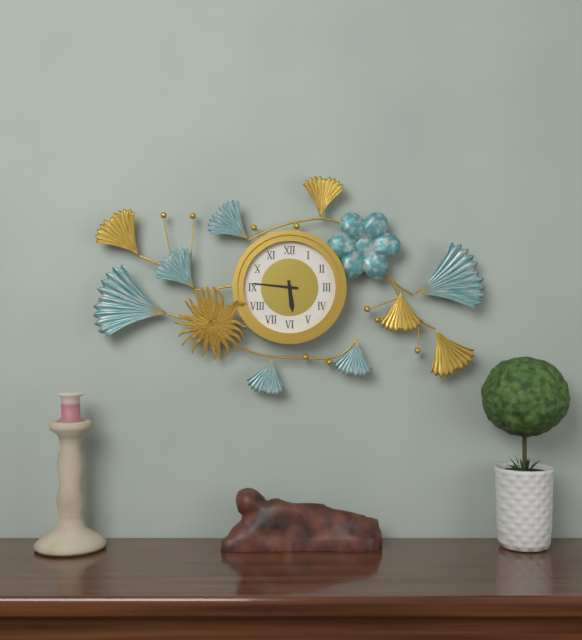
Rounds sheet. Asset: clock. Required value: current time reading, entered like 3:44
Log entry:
5:46
